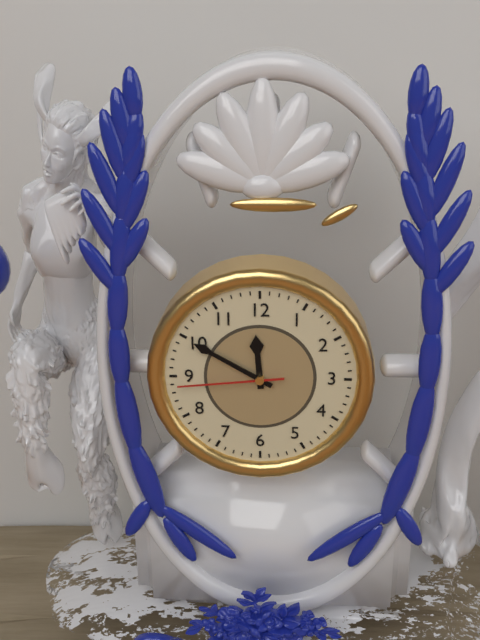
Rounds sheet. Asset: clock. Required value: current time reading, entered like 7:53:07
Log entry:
11:50:44
